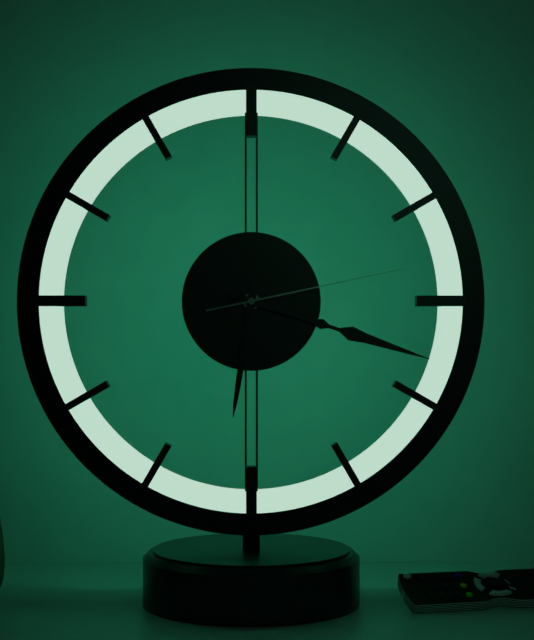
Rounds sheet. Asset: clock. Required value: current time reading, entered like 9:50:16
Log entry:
6:18:13
